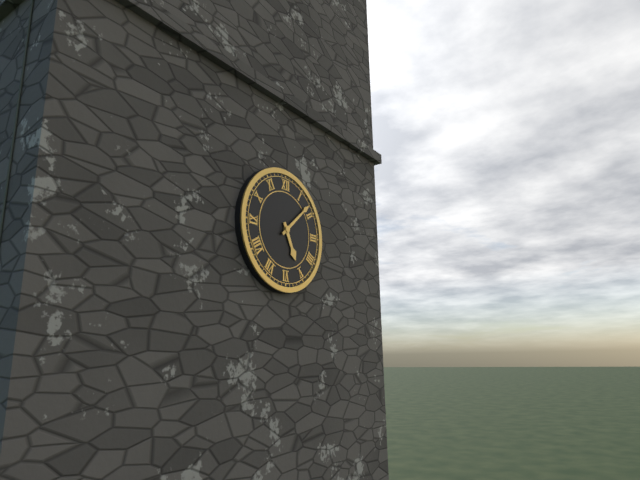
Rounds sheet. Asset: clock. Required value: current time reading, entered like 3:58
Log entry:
5:08
